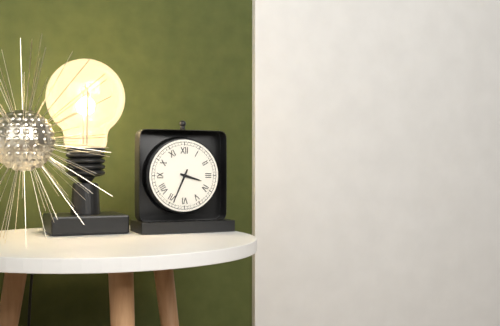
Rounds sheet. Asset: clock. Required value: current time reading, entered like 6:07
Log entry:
3:34
